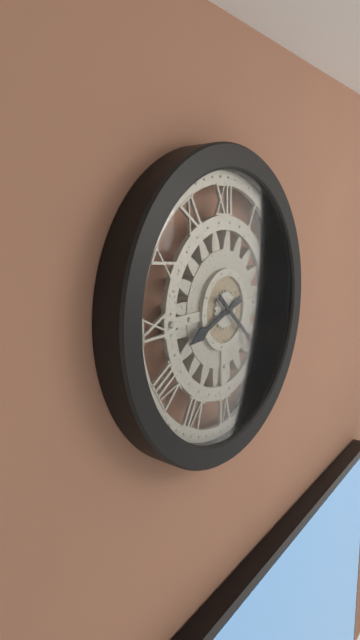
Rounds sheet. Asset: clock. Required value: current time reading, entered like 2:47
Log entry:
8:22
